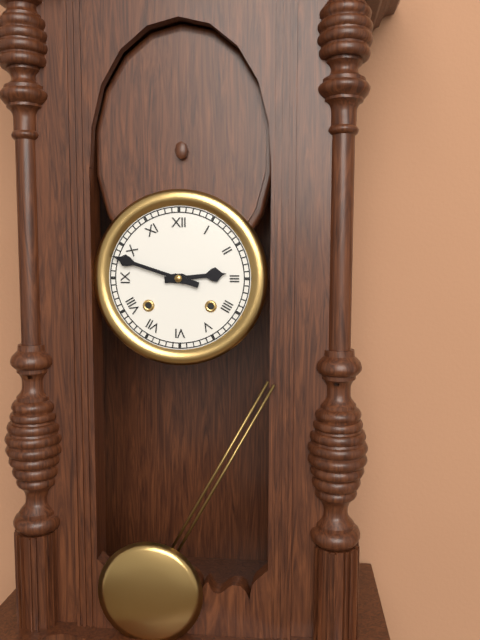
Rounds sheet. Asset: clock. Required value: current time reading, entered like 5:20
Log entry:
2:48
